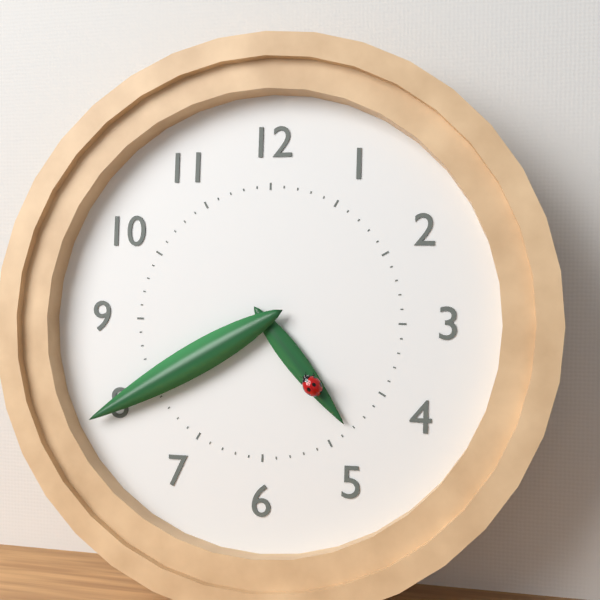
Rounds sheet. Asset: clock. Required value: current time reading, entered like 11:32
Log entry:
4:40
